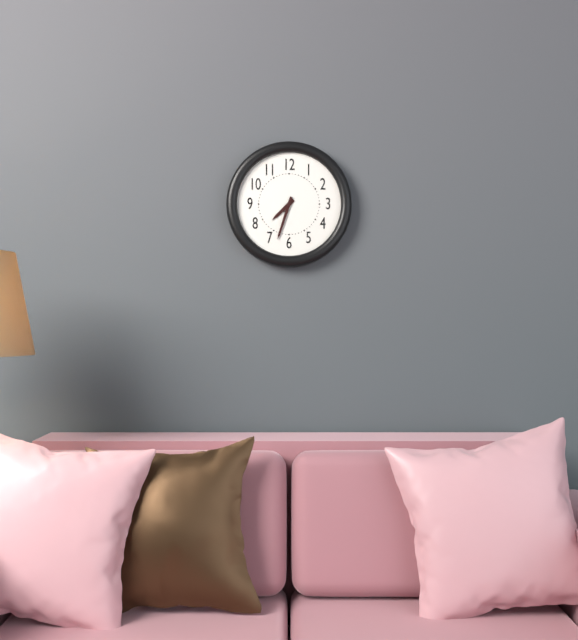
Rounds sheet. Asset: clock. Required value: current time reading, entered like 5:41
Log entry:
7:33
